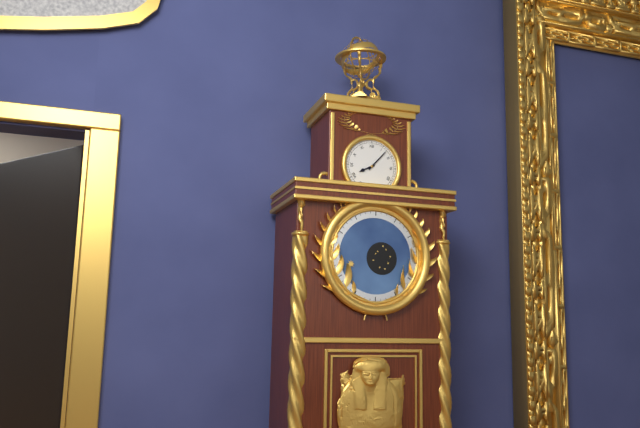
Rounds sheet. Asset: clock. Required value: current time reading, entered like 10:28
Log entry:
8:07
